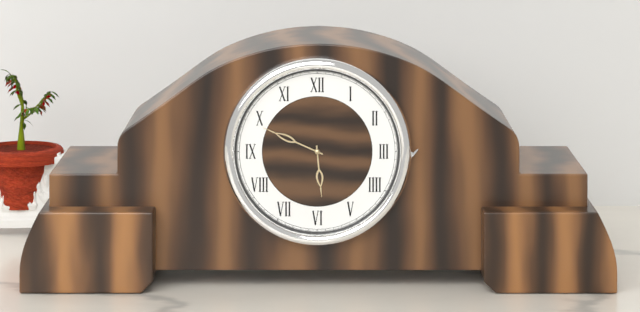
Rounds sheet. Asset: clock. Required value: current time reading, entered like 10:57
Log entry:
5:49
